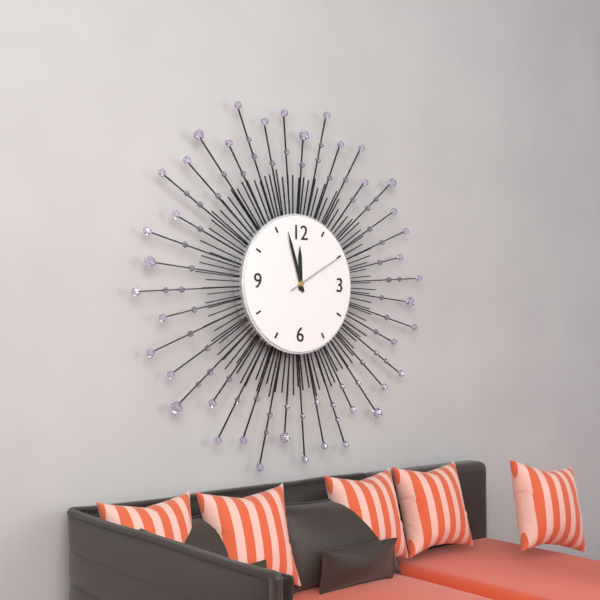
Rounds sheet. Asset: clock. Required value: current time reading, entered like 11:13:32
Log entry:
11:57:10
